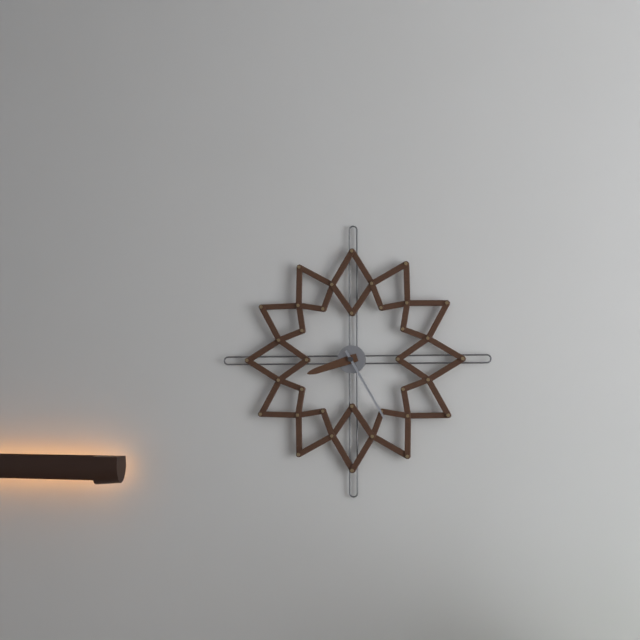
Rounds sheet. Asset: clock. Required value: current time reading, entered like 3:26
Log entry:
8:25
